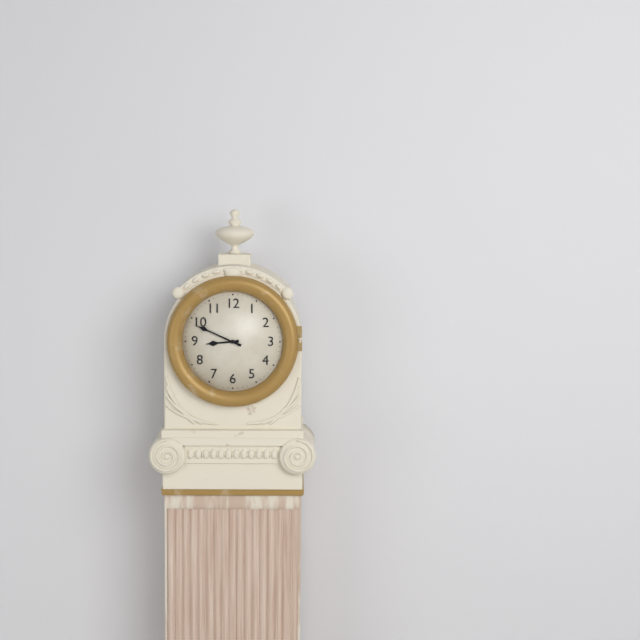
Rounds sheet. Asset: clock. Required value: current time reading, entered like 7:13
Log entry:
8:49
